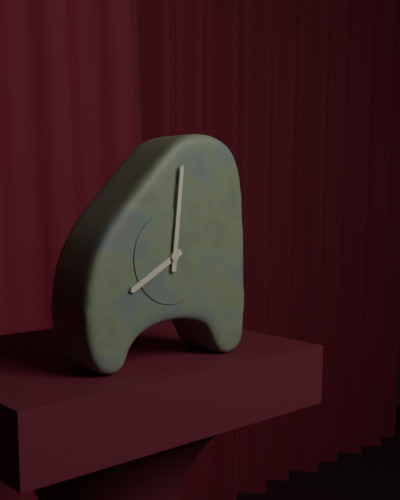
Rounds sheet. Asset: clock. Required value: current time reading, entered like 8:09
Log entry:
8:01
